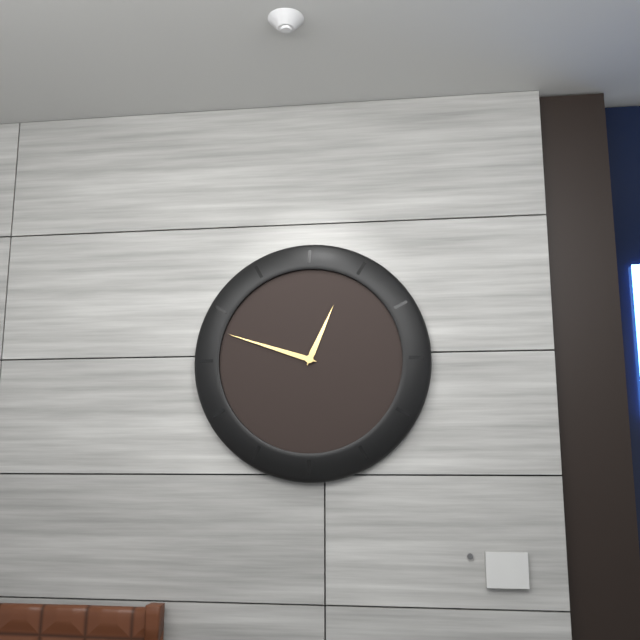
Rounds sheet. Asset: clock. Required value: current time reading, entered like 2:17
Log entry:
12:48
